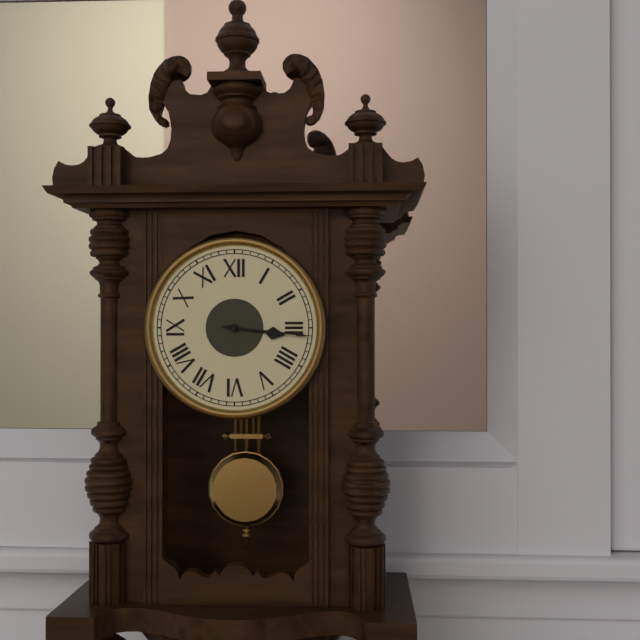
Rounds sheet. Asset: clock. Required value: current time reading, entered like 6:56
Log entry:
3:16
